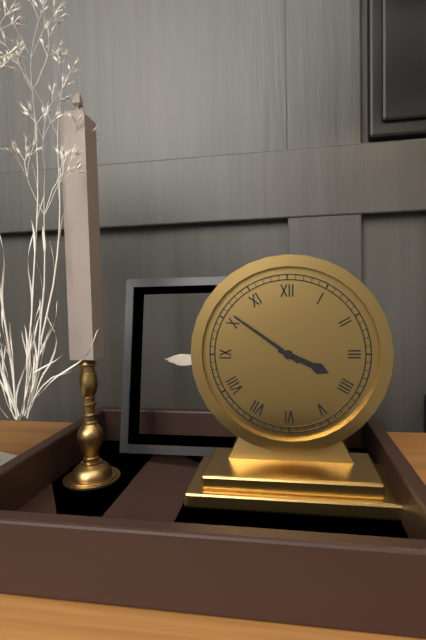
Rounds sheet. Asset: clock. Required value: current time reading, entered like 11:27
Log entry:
3:51
